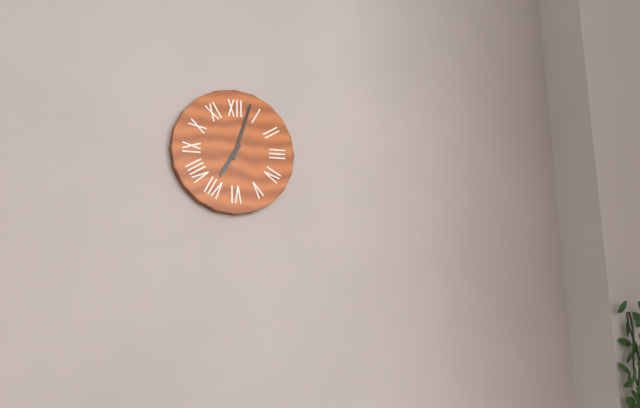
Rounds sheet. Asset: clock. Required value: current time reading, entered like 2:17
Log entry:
7:03
